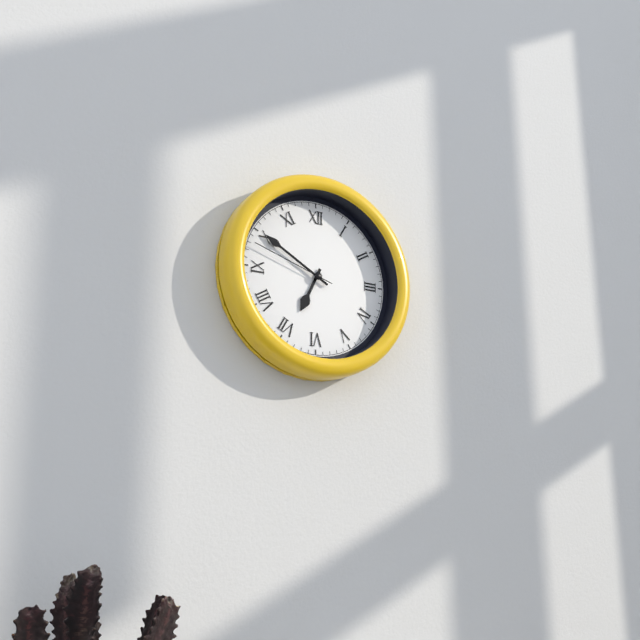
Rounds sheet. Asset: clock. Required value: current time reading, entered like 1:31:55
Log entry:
6:50:48
